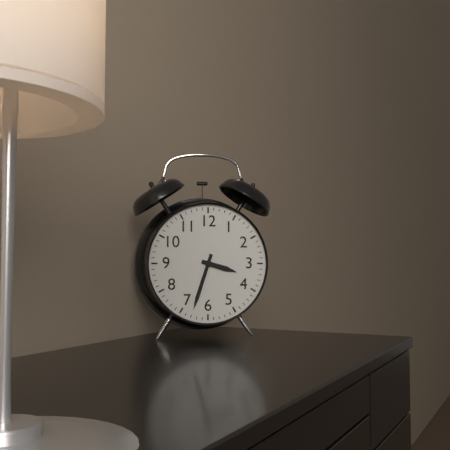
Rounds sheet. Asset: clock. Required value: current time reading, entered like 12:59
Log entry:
3:33
